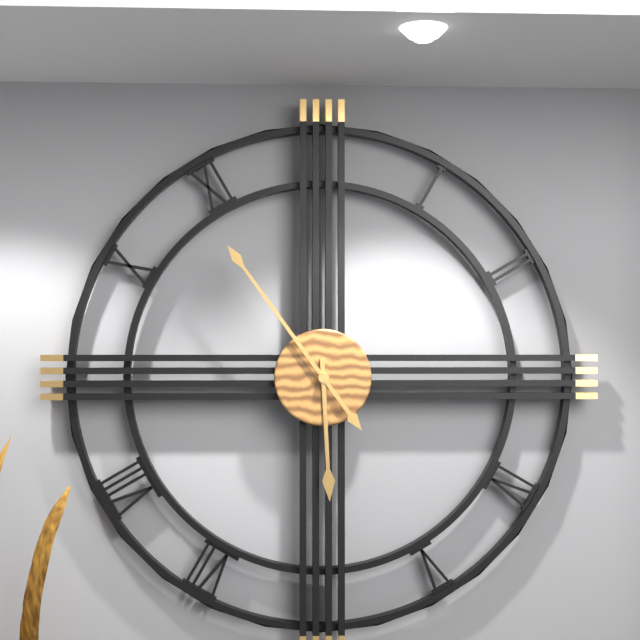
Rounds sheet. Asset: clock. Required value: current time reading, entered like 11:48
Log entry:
5:54
